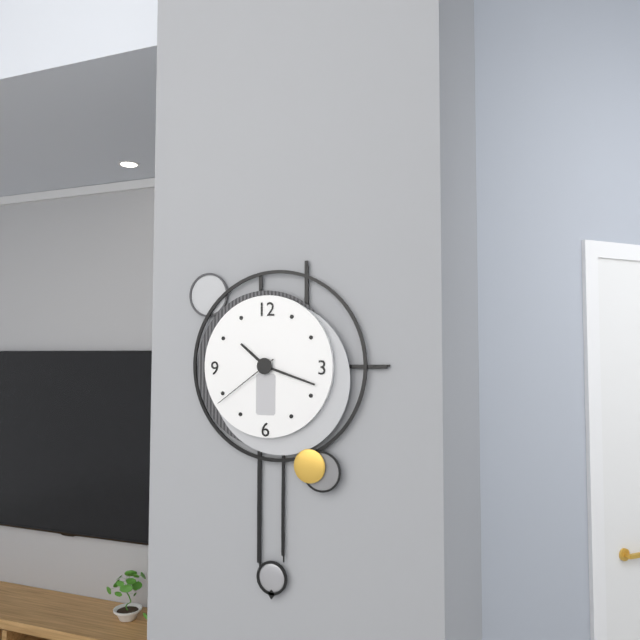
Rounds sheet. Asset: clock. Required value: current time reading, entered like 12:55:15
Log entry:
10:18:39
